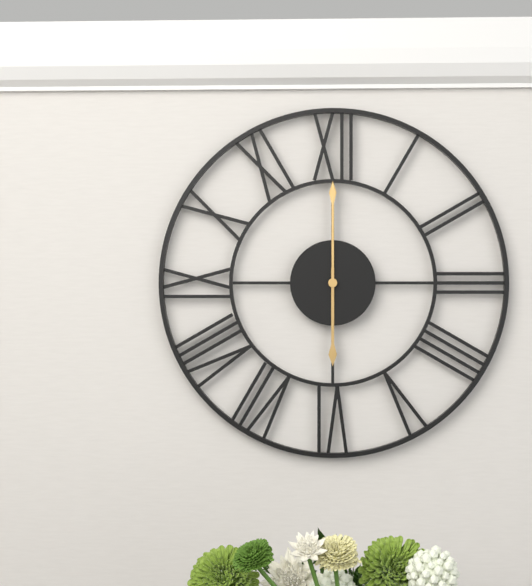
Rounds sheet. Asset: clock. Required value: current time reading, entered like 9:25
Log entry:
6:00
